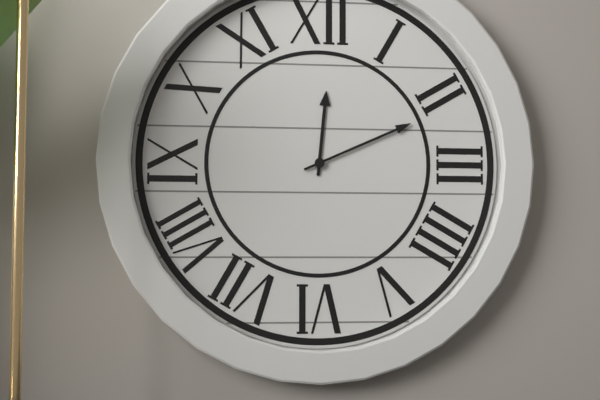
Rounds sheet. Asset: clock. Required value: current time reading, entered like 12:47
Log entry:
12:11
